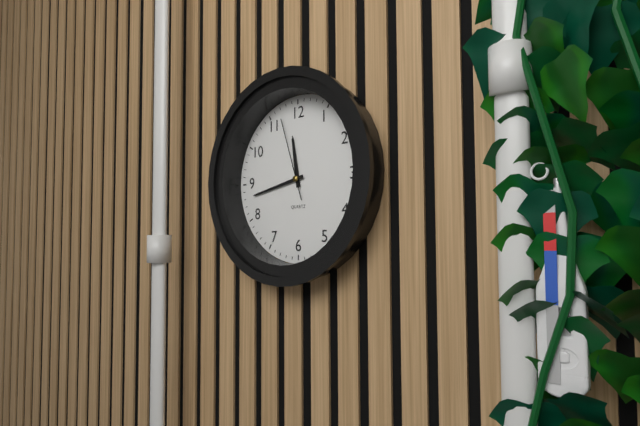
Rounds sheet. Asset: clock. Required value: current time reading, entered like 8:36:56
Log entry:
11:43:57
